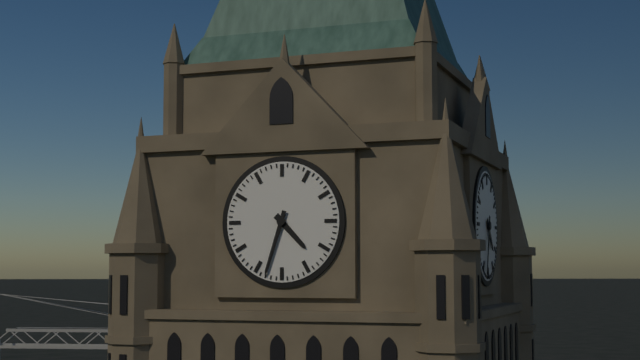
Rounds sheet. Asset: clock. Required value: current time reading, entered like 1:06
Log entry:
4:33
